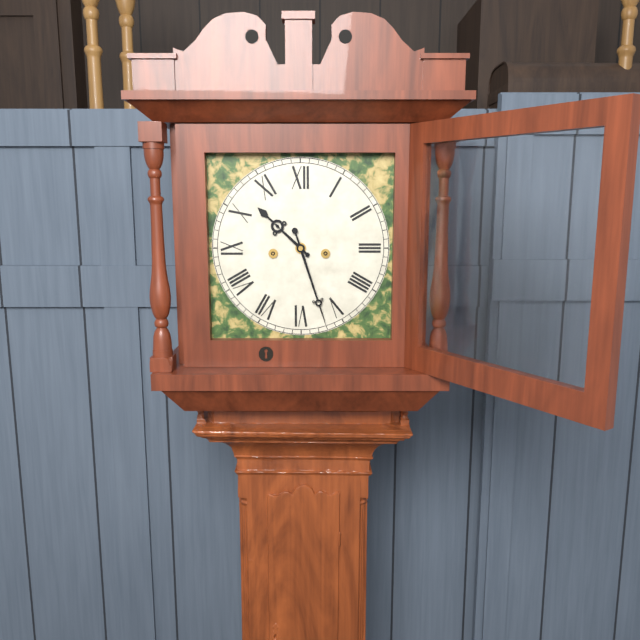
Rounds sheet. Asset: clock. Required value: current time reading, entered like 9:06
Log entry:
10:27
